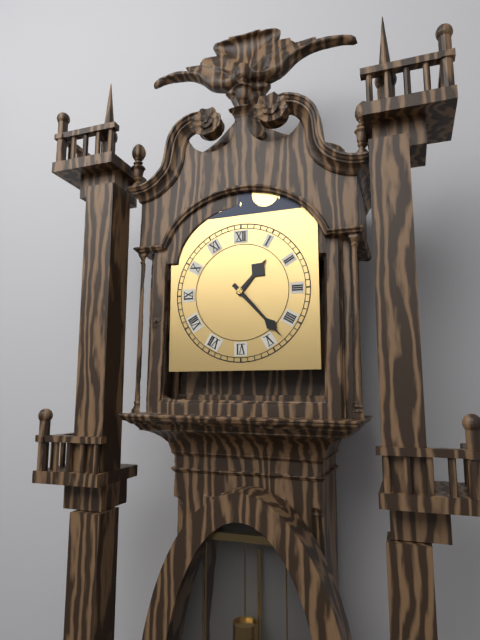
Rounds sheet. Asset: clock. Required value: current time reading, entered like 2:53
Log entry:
1:23
